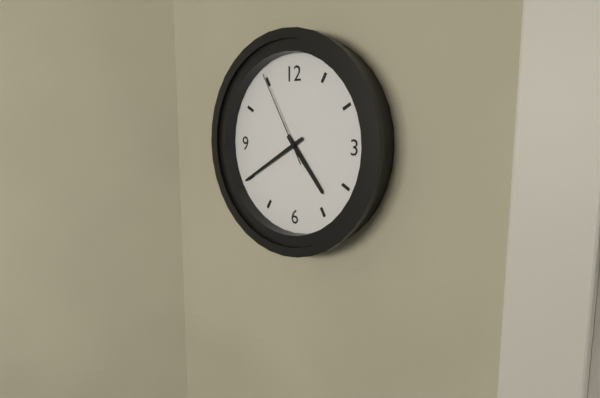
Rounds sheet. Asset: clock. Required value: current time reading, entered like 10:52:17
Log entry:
4:40:55
